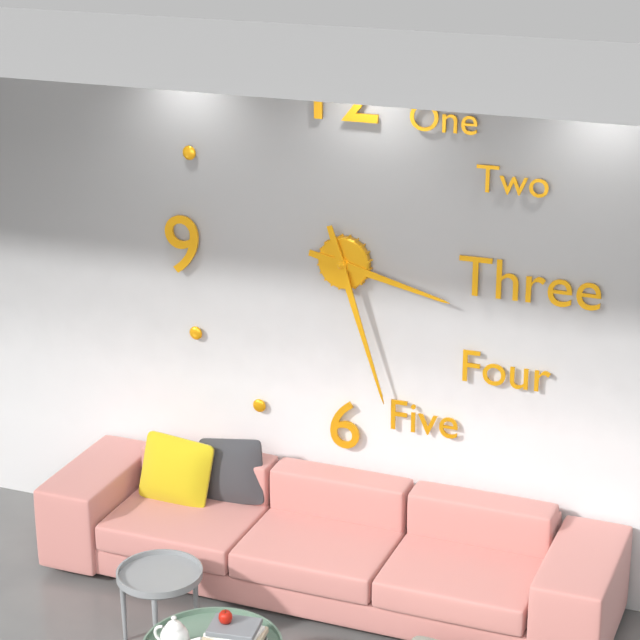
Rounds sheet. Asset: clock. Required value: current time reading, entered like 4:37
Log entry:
3:27
